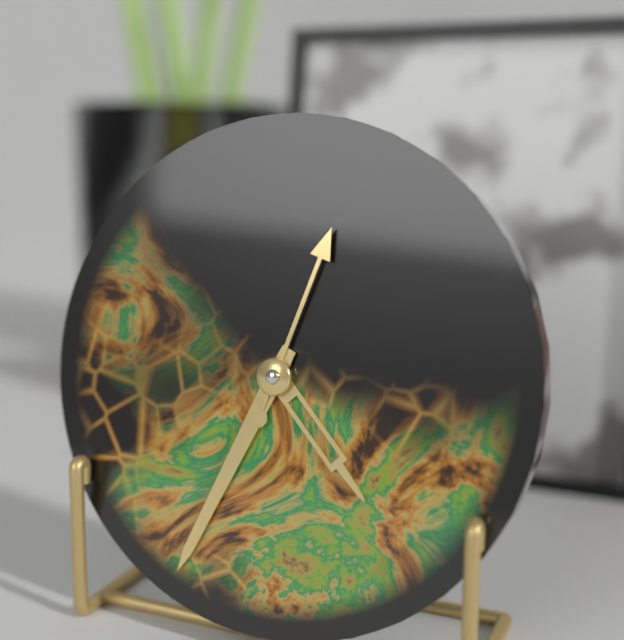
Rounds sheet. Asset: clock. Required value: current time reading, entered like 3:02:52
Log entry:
4:34:03
